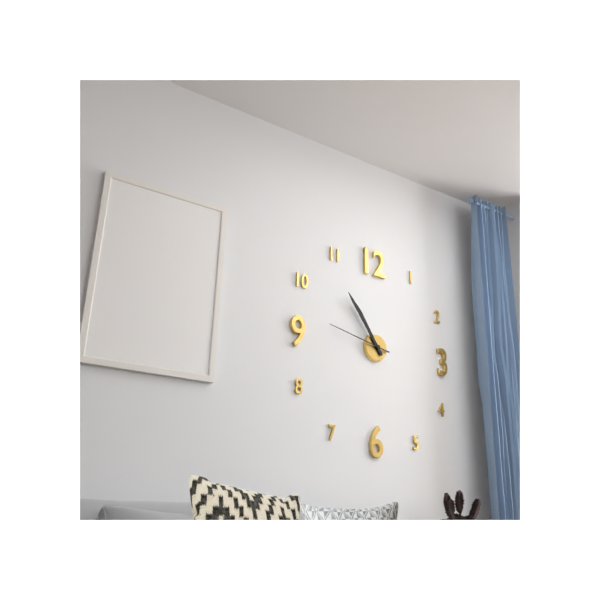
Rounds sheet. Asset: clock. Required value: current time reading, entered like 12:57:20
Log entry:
10:54:47
